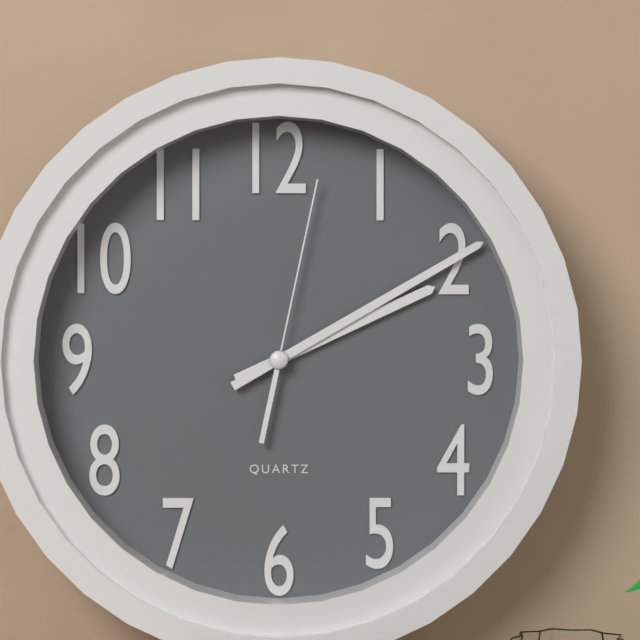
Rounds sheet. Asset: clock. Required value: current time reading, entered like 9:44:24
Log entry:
2:10:02
